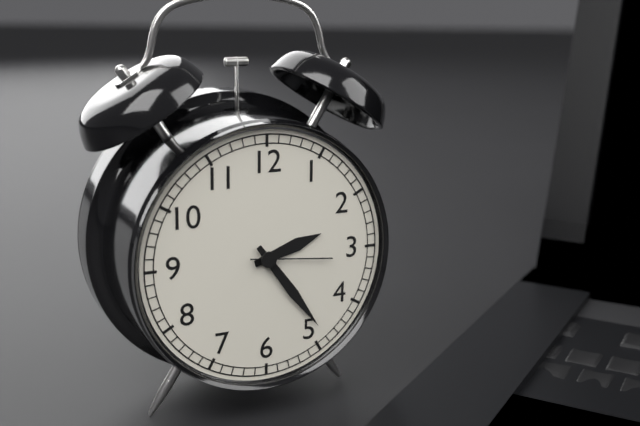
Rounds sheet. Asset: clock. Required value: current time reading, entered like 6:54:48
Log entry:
2:24:16
